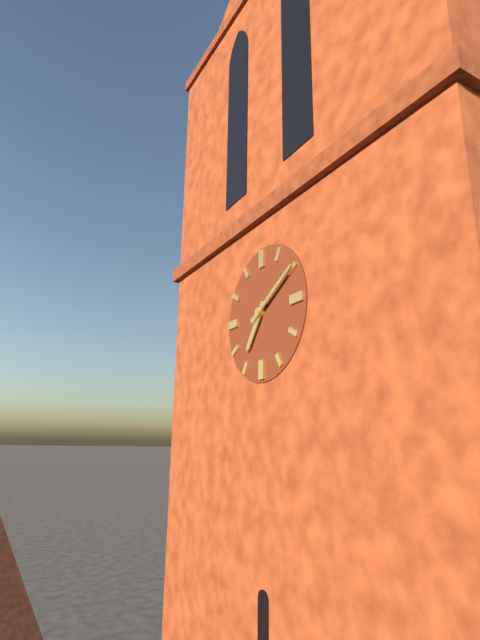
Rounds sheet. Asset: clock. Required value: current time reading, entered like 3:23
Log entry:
7:10
